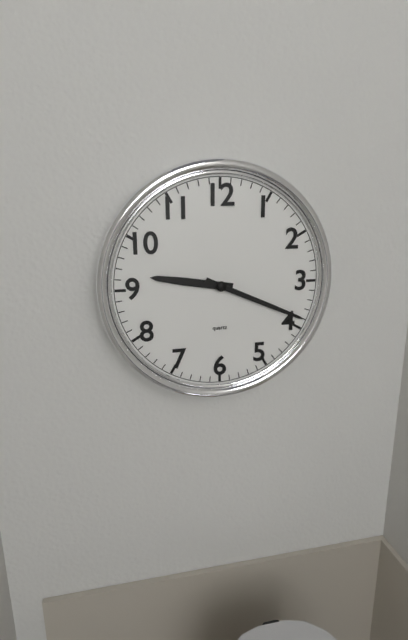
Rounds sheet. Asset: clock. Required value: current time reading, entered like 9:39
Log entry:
9:19
